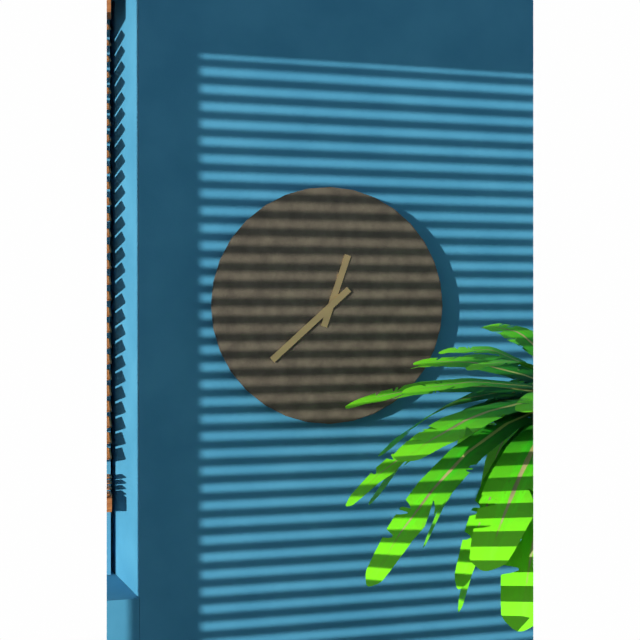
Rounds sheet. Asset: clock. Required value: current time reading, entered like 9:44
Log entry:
12:38
